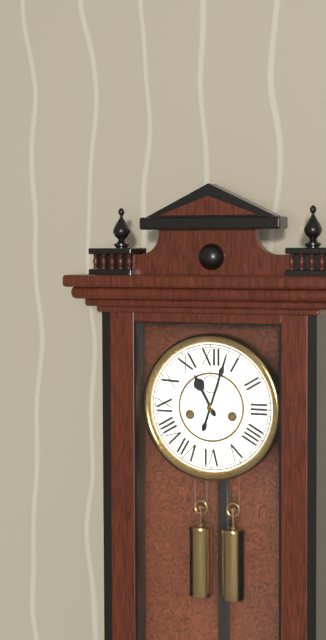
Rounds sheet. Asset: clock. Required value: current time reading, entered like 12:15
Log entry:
11:03
